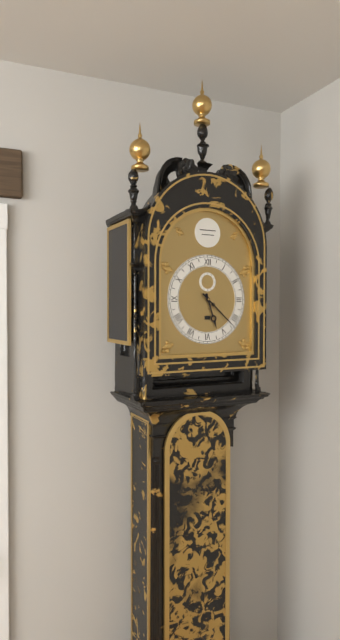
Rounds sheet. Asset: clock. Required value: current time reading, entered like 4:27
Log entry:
5:22
